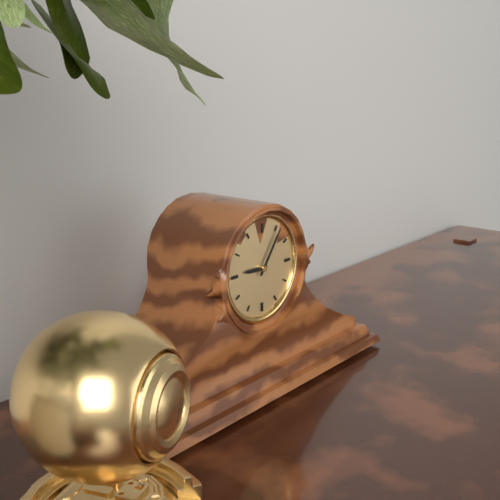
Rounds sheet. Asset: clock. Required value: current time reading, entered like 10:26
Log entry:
9:06
